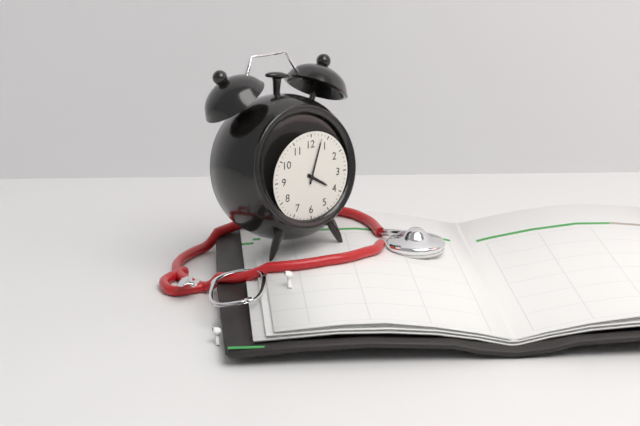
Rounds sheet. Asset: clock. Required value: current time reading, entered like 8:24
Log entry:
4:03
